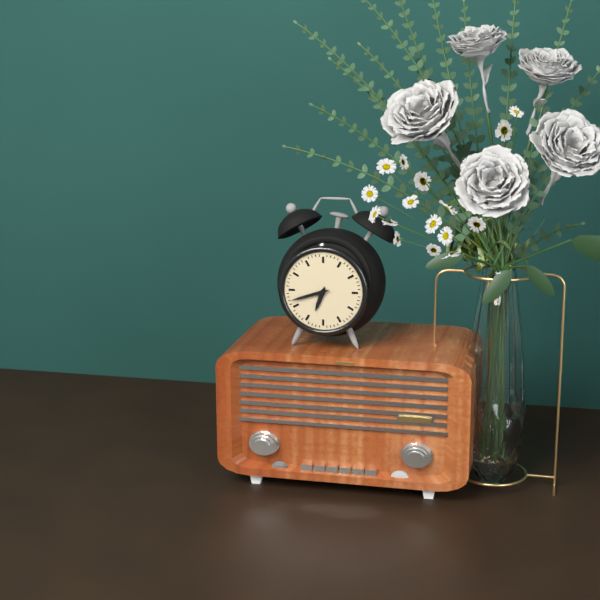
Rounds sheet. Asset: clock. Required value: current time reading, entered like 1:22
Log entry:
6:42
